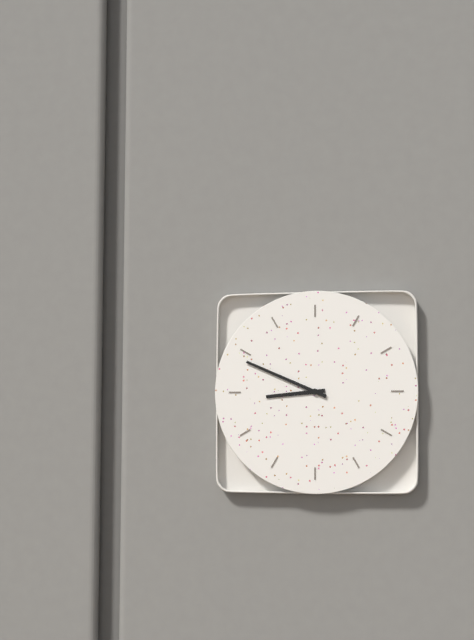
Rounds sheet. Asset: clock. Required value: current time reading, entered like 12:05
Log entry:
8:49
